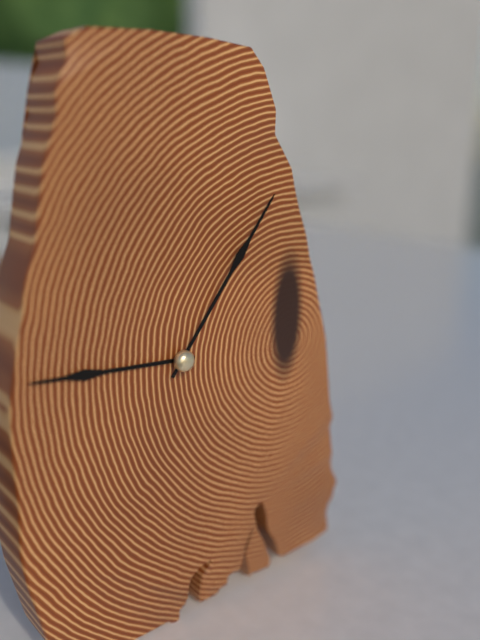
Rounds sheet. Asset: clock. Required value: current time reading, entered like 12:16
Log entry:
9:06
